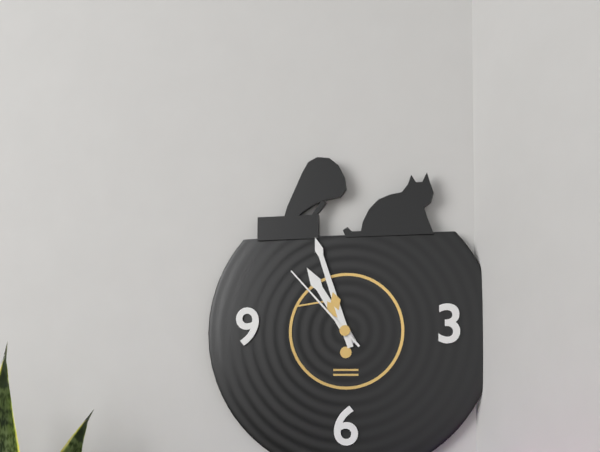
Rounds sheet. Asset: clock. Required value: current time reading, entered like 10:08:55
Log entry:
10:57:53
